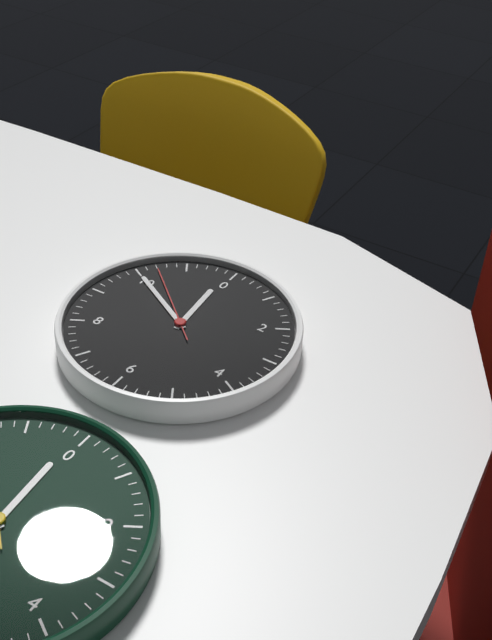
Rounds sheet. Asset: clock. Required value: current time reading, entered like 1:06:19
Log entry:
11:50:52
